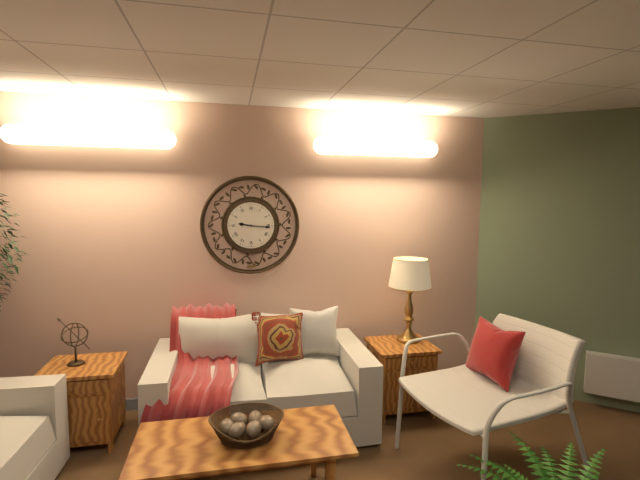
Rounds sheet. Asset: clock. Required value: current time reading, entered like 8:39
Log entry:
9:16
